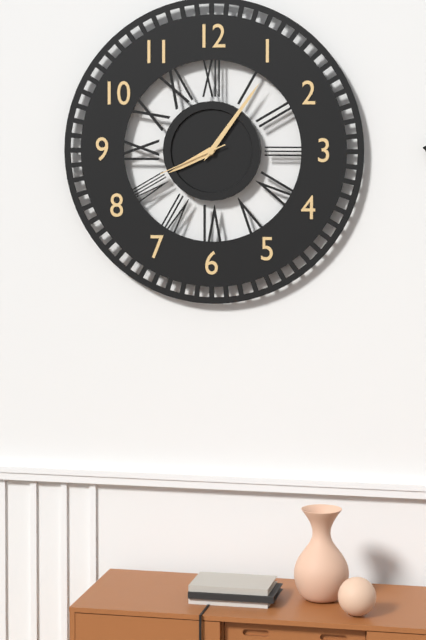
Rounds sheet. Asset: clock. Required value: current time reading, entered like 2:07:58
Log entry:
8:06:41
